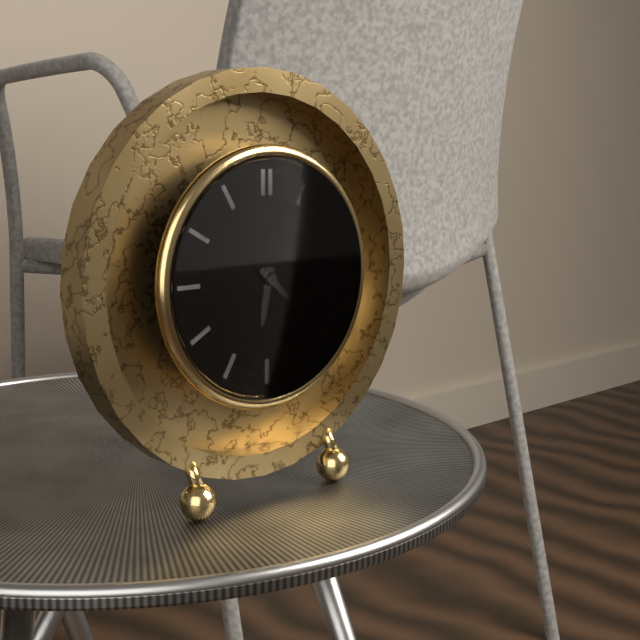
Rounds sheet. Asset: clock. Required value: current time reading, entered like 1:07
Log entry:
6:22
